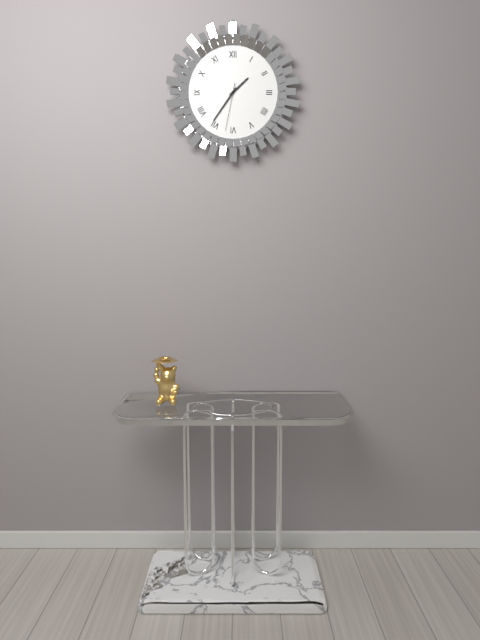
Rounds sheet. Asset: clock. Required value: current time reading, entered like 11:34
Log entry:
1:36
